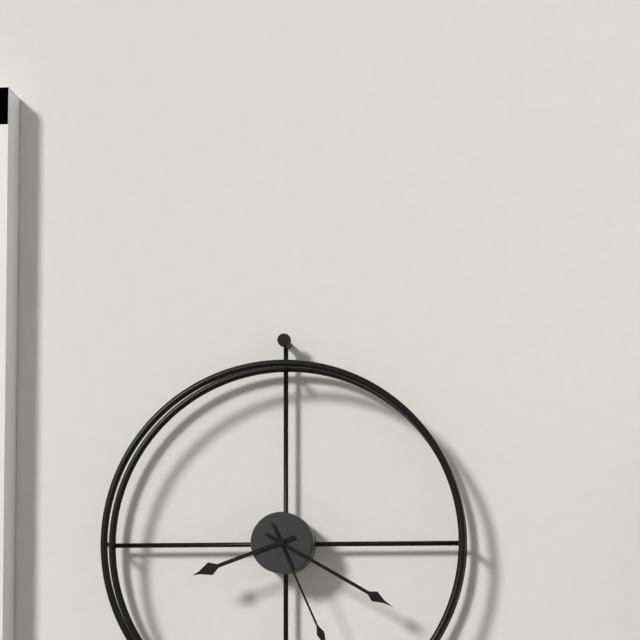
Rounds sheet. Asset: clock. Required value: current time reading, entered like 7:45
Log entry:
8:20
